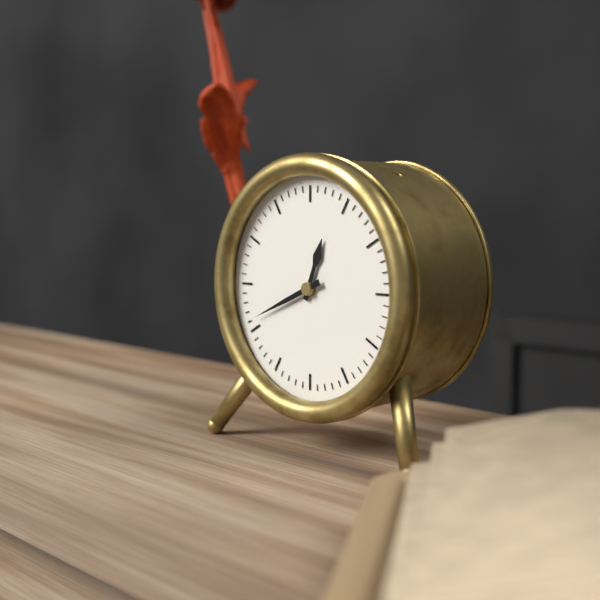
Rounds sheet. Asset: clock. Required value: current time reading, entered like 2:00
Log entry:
12:41
